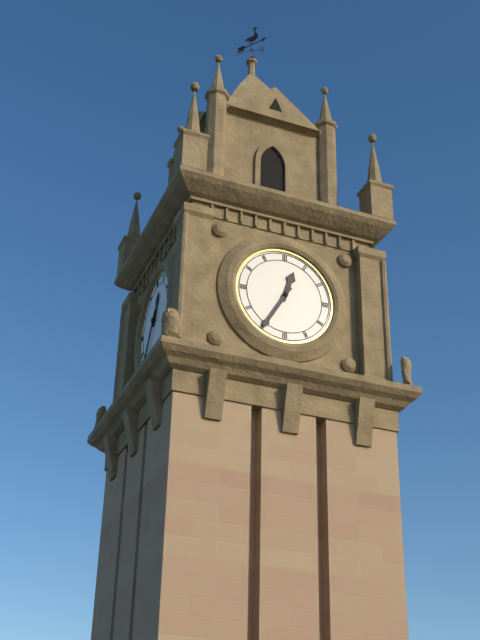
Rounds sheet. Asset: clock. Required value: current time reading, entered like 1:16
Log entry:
12:35
